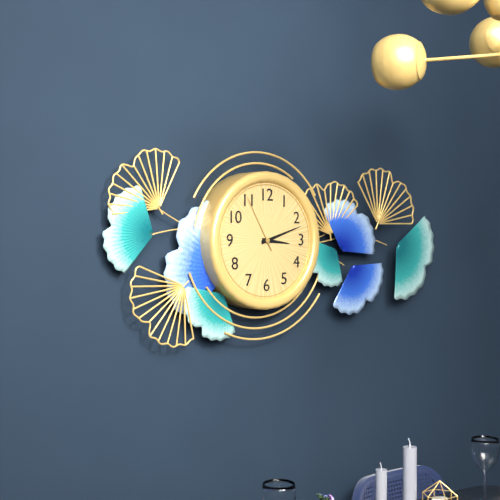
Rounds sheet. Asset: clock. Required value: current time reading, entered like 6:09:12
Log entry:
3:12:55
